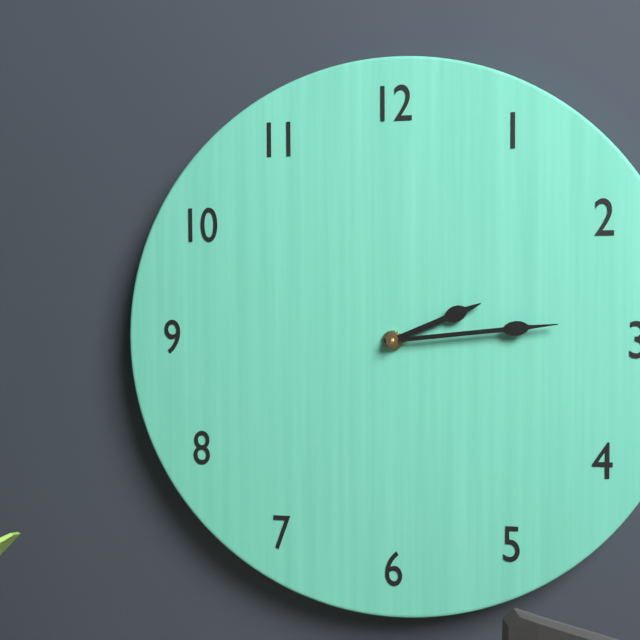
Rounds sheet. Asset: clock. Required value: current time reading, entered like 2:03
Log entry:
2:14
